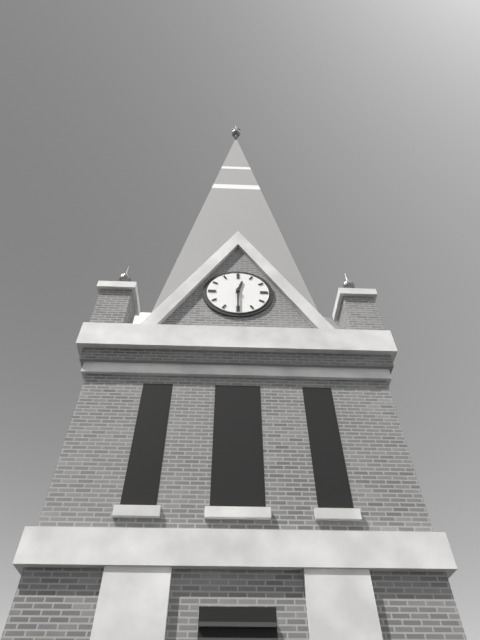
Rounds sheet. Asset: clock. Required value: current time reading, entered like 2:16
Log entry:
12:30
